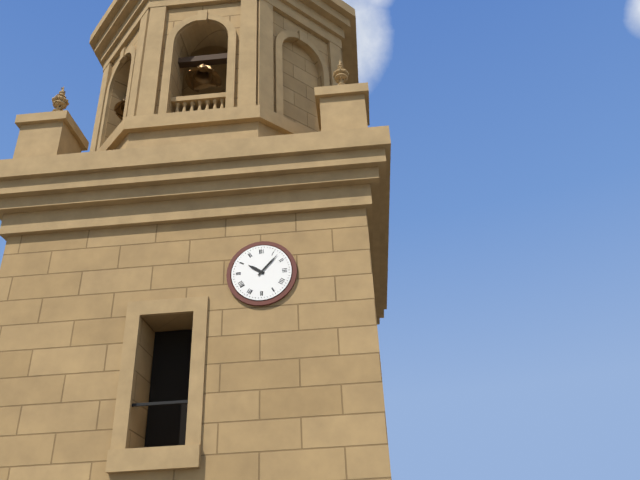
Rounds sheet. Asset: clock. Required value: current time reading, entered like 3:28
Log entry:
10:07
